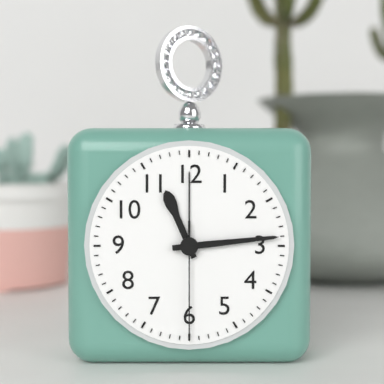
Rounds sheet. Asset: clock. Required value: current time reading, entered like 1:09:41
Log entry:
11:14:30
